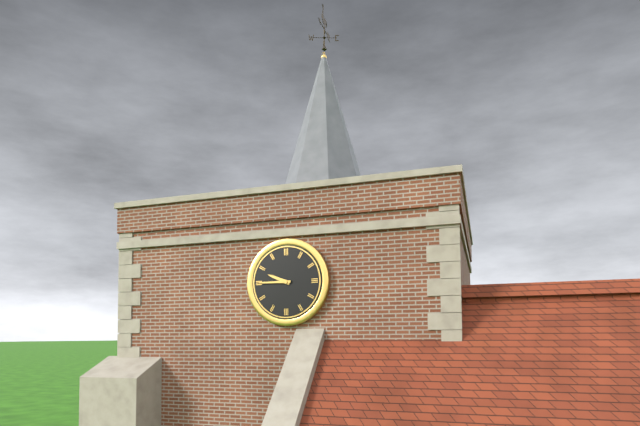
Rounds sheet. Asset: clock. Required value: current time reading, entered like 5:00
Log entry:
9:45
